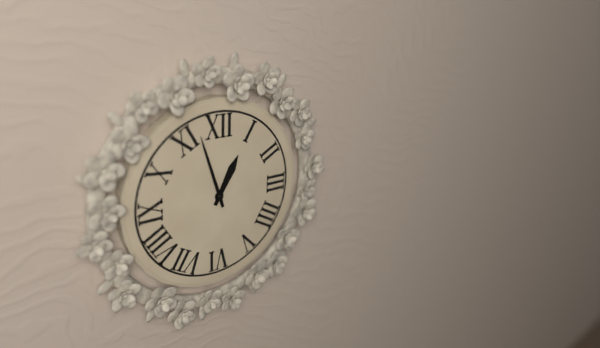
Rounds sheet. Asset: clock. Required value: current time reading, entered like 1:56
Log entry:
12:57
